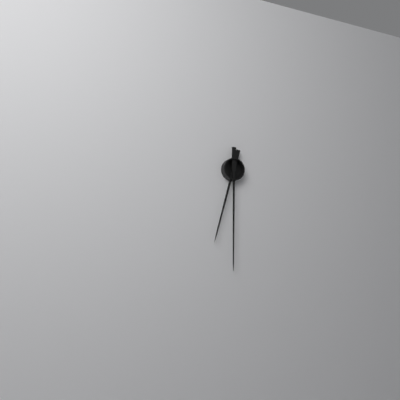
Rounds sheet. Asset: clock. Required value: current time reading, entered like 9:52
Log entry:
6:30
